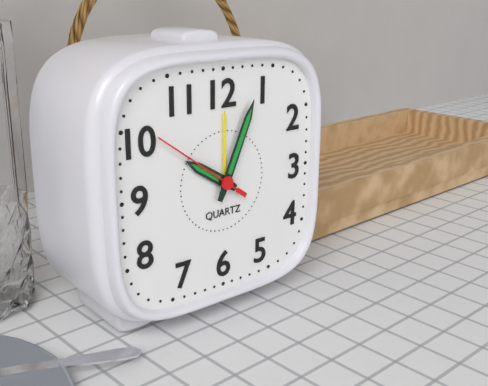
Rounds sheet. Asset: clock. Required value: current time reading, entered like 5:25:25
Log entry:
10:04:51
